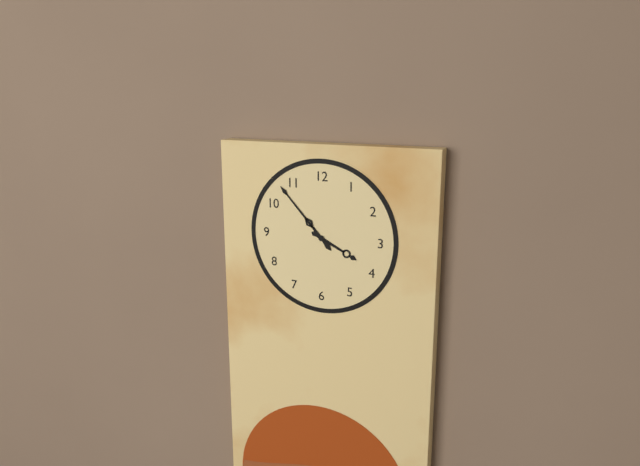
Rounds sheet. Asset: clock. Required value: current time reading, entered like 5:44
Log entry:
3:53
